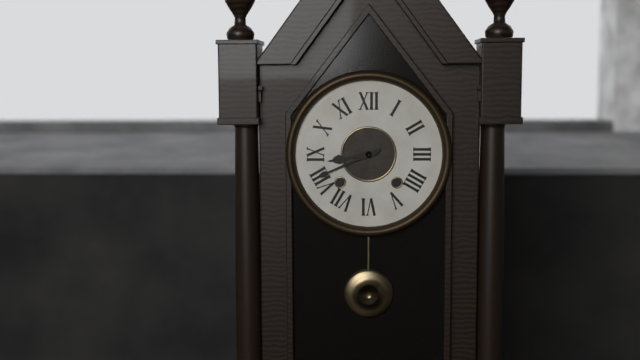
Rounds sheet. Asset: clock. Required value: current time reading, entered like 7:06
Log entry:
8:41
